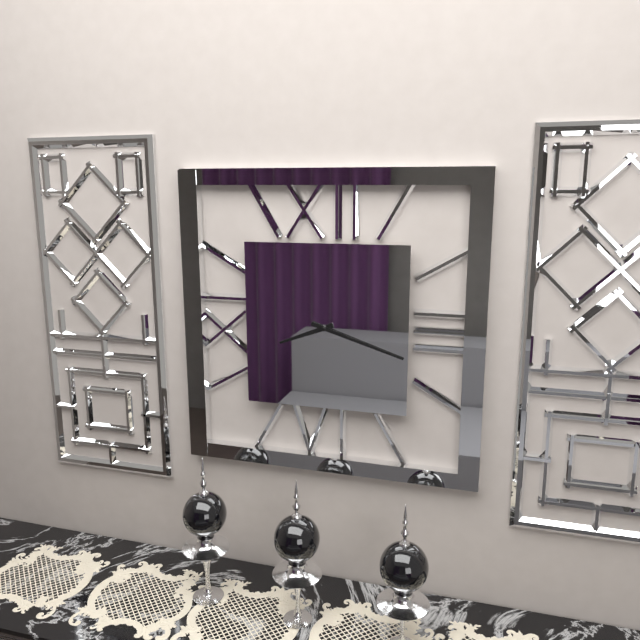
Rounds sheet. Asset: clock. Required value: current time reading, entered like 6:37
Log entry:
8:18
